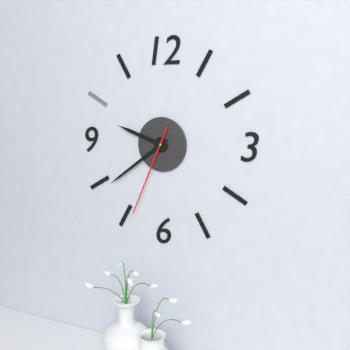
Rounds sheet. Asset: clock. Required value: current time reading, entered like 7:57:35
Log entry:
9:39:34
